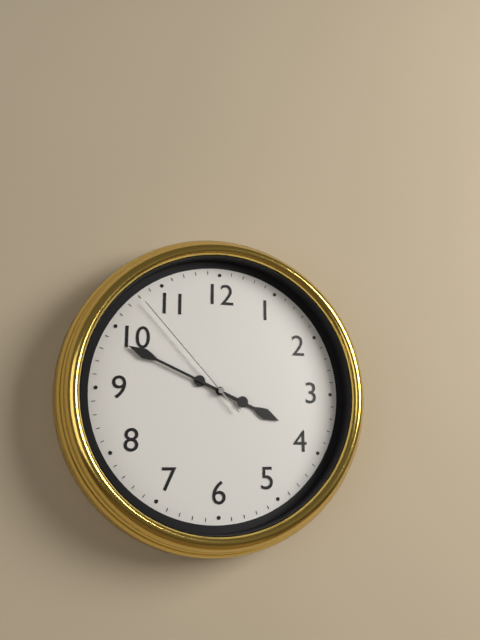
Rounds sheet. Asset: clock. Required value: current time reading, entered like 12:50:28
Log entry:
3:49:53
